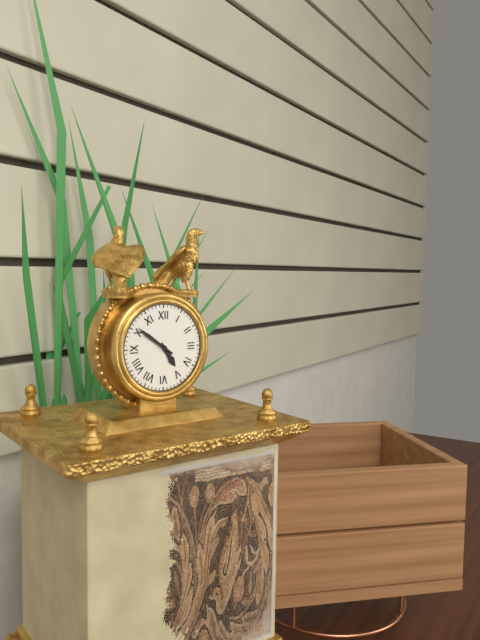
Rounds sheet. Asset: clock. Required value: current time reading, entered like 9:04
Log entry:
4:51
